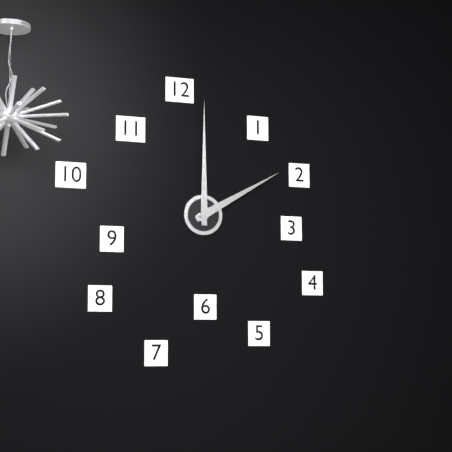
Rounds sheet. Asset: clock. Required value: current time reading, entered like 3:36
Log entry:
2:00
